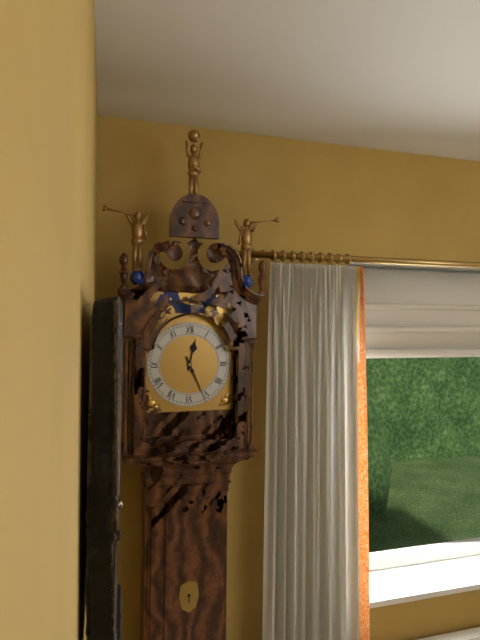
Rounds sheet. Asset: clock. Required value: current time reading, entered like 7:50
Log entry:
12:26
